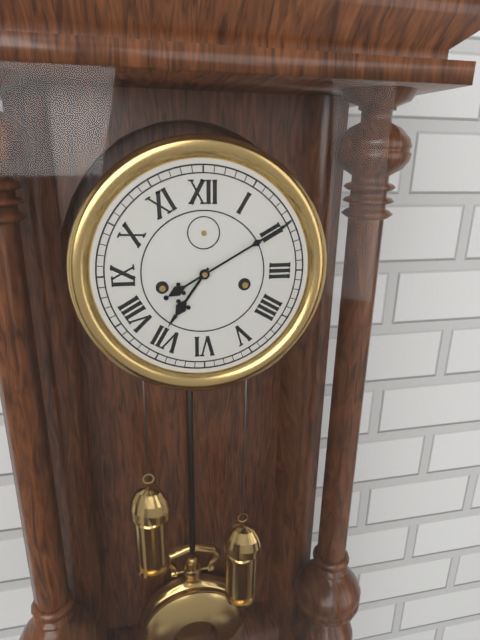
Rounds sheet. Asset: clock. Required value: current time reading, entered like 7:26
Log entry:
7:10
